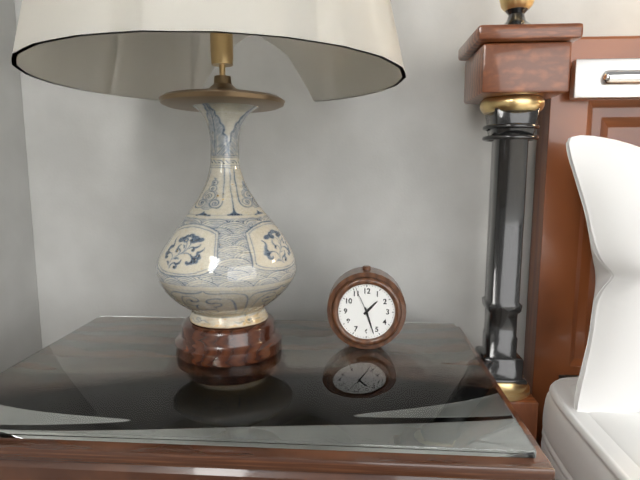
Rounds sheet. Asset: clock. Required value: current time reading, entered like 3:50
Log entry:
1:27
